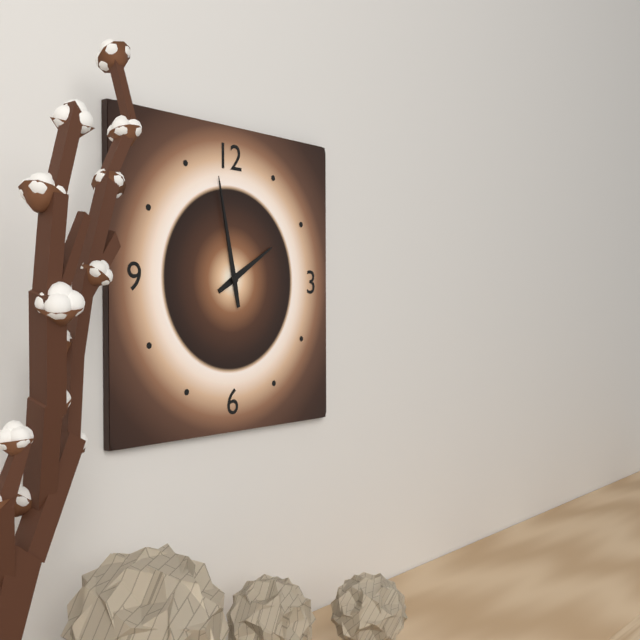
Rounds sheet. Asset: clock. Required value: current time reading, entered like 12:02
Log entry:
1:58
